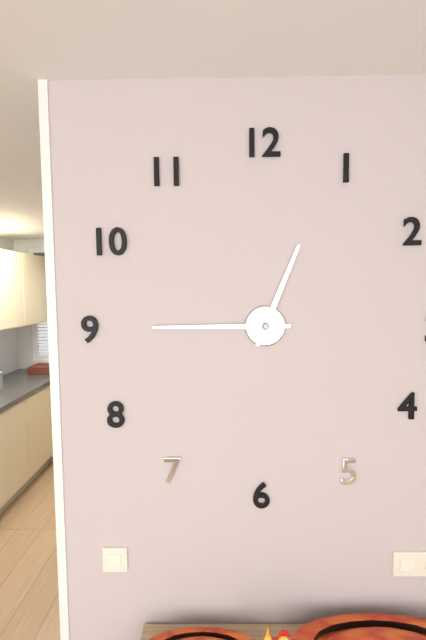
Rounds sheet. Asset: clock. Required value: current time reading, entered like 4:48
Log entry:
12:45
